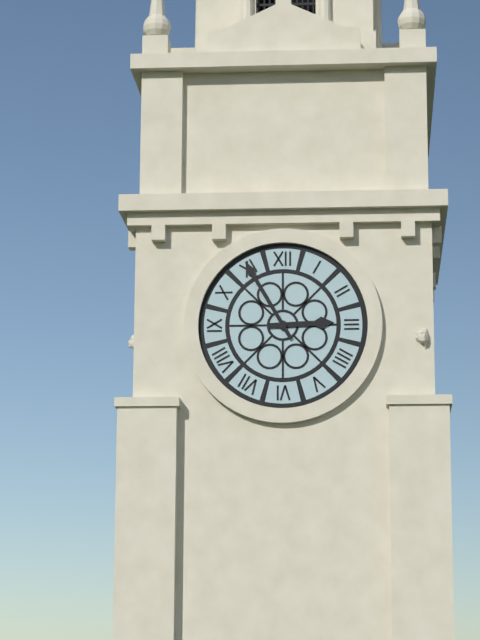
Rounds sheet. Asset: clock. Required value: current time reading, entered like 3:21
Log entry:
2:55
